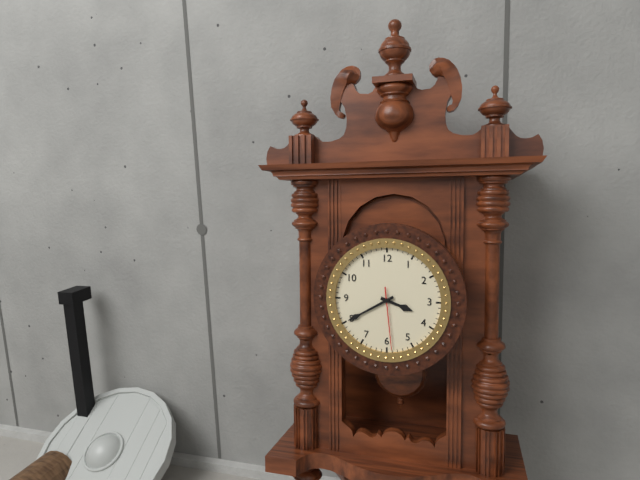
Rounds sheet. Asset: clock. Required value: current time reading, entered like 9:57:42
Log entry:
3:40:29
